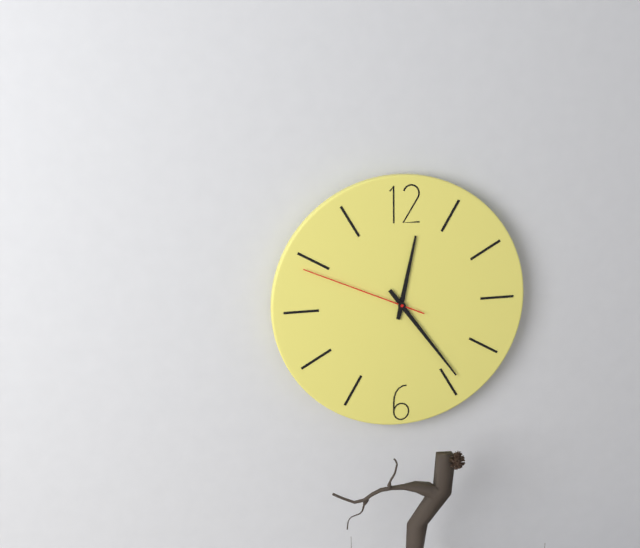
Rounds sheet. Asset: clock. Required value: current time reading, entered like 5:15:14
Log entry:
12:24:49
